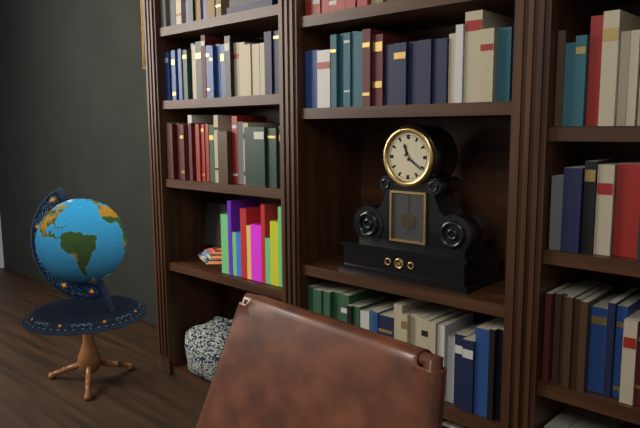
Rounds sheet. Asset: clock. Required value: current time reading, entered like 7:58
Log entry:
11:21
